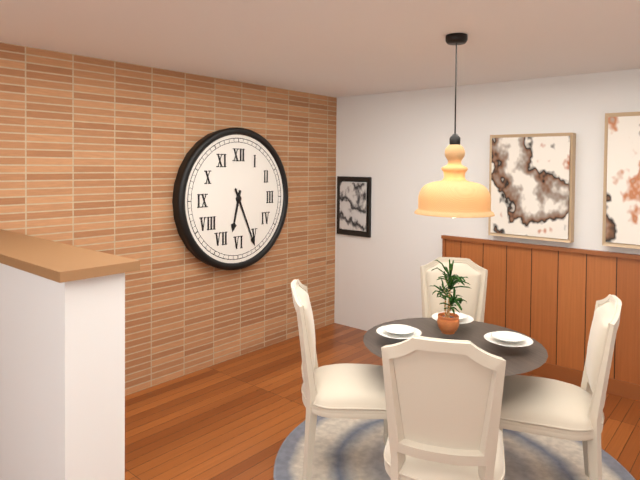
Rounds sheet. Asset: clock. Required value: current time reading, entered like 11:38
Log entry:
6:26
